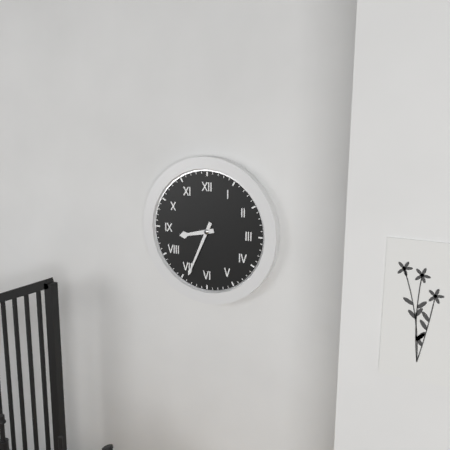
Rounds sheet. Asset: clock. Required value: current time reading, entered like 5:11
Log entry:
8:34
